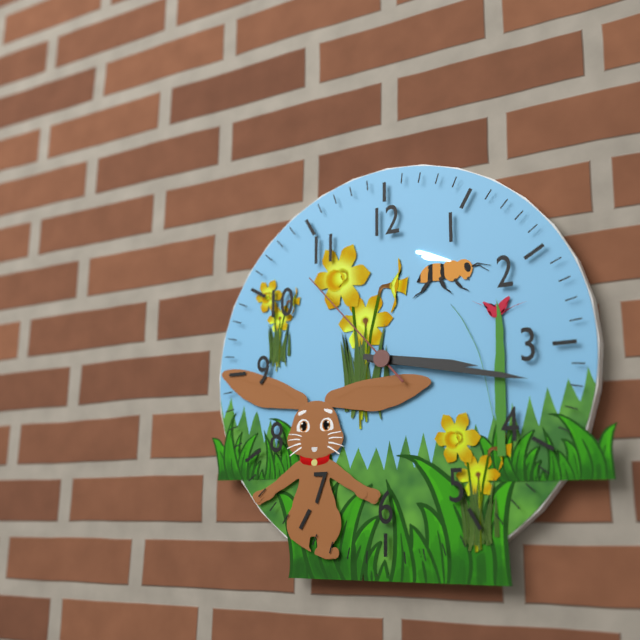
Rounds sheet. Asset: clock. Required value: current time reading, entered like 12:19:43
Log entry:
3:17:53
